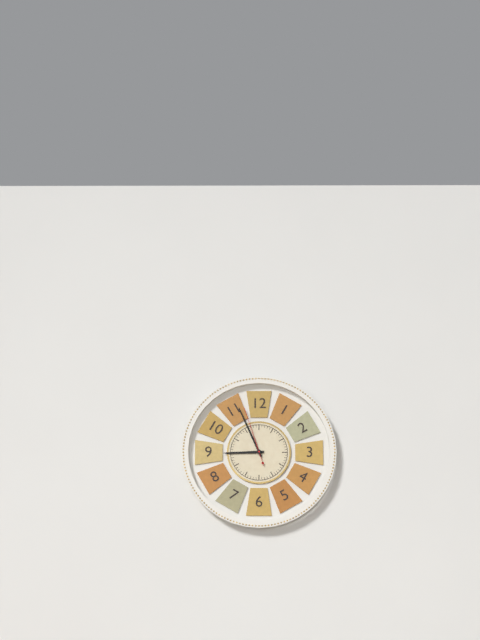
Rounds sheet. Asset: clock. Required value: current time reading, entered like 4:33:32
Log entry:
8:56:57
